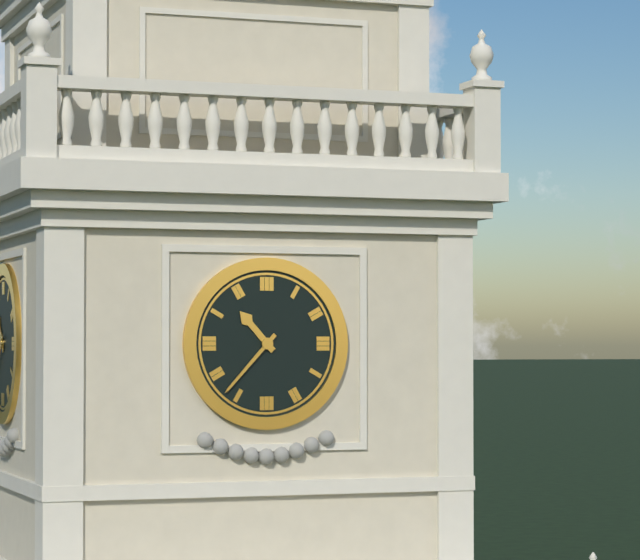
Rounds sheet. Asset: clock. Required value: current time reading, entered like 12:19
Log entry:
10:37
